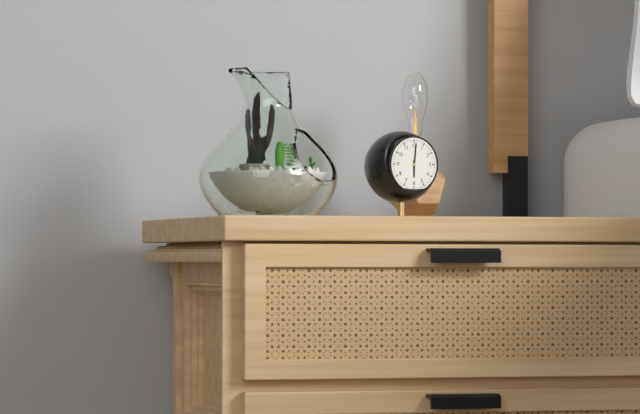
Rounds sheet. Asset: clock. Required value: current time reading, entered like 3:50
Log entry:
6:01
